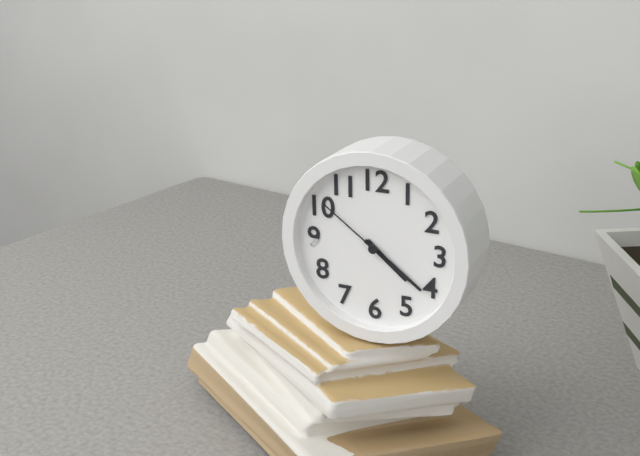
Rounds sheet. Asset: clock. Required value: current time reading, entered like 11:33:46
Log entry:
4:21:51
